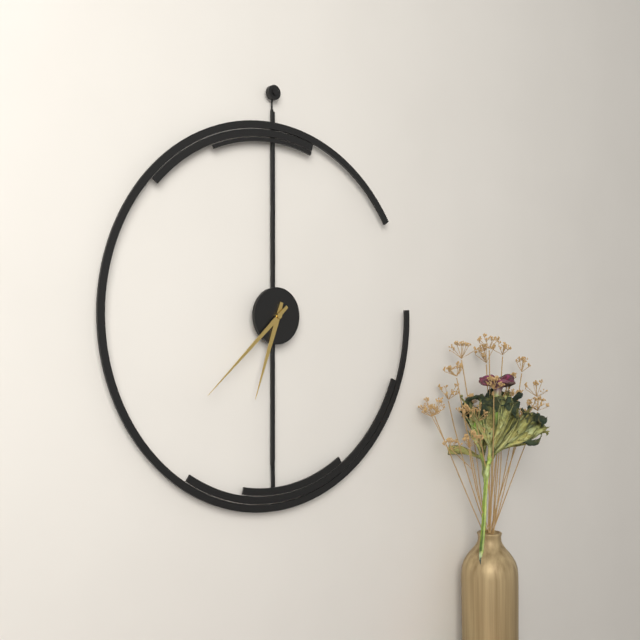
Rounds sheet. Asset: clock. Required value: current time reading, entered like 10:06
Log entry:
6:38
